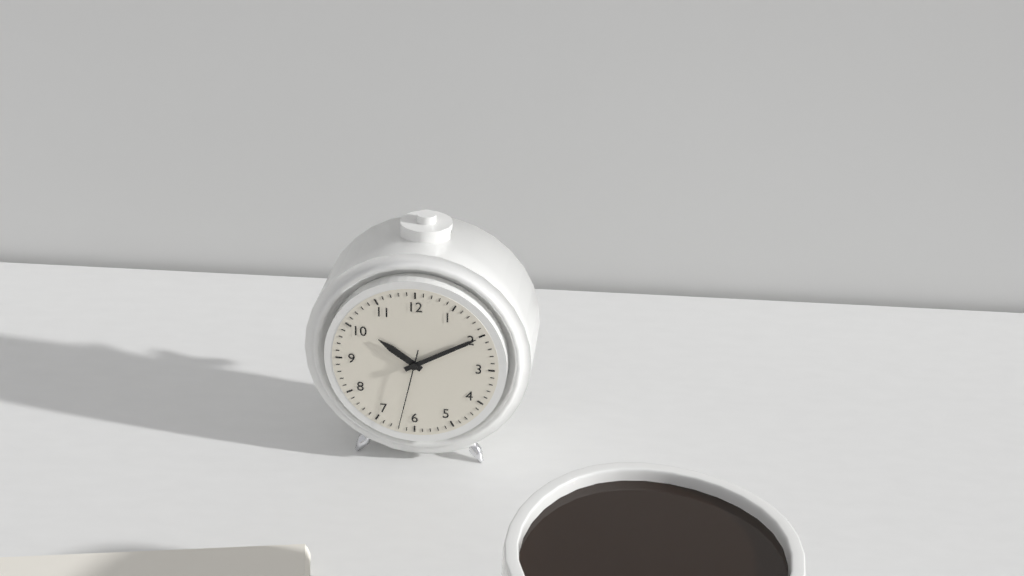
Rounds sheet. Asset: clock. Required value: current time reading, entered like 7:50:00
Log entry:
10:10:32
